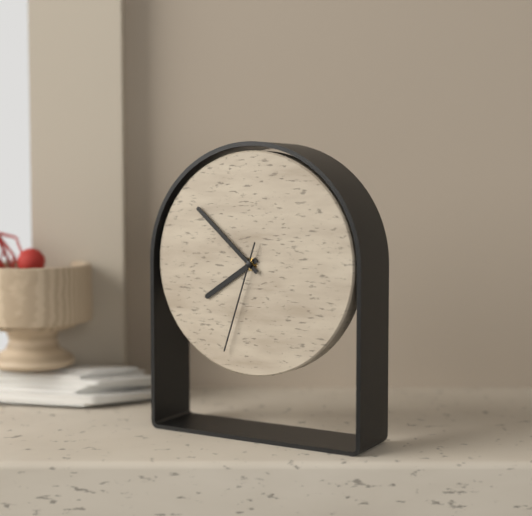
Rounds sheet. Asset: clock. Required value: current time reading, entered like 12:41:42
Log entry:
7:52:33
